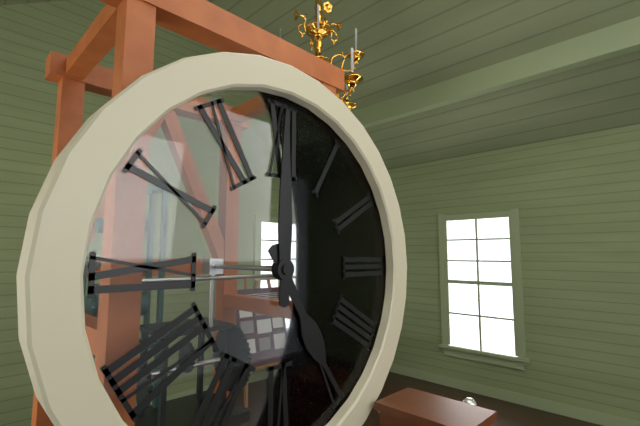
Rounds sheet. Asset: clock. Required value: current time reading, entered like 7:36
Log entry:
5:00
